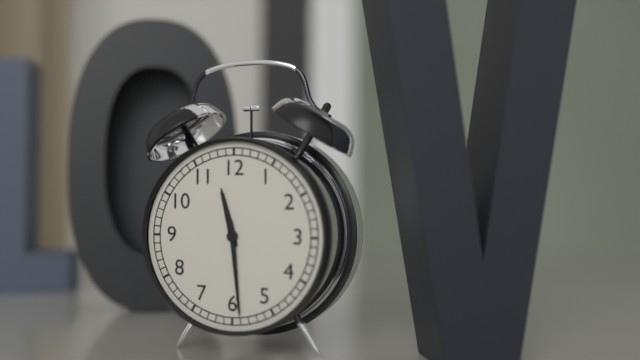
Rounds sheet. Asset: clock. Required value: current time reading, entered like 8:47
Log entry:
11:29
